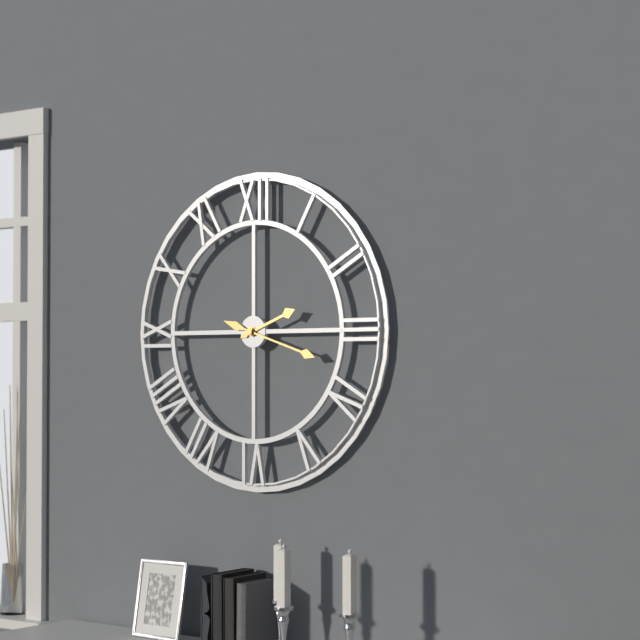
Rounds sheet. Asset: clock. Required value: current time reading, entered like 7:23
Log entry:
2:18
